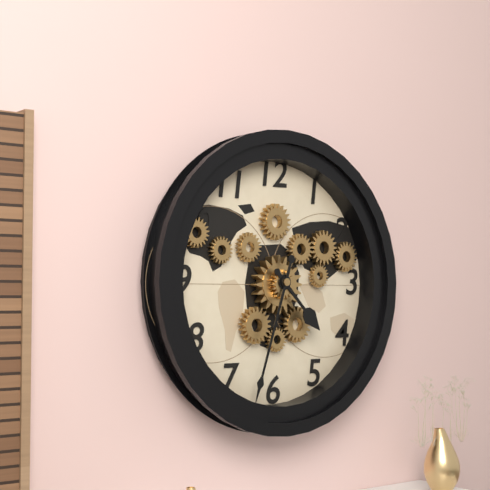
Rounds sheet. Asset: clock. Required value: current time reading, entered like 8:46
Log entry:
4:33
